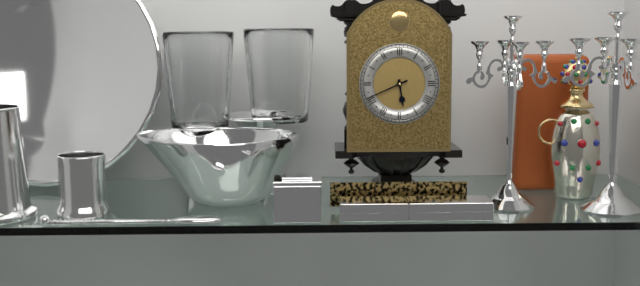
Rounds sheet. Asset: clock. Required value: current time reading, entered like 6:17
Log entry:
5:41
